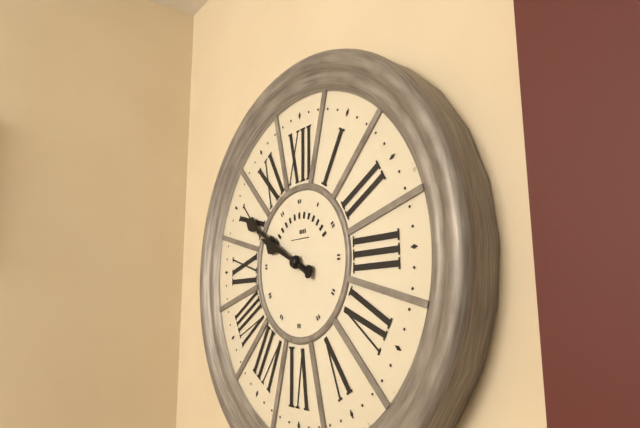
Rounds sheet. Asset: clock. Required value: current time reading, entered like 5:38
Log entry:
9:50
